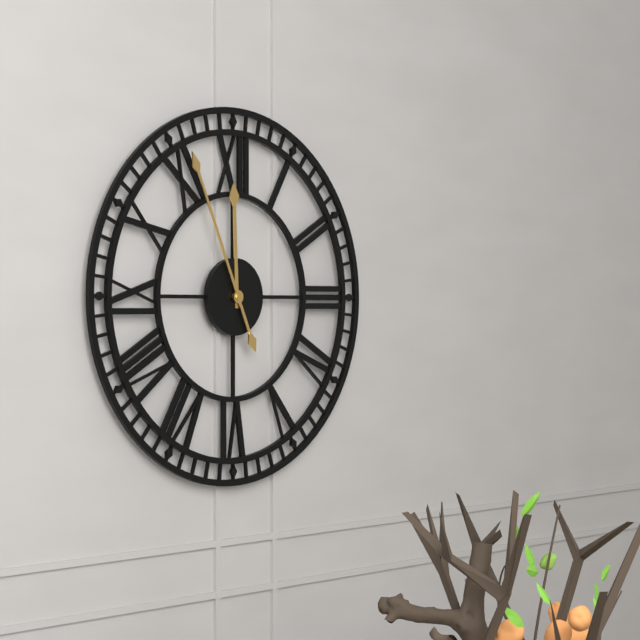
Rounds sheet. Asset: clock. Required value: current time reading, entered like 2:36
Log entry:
11:56
